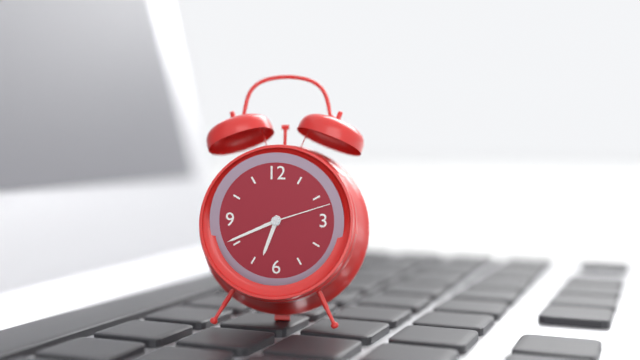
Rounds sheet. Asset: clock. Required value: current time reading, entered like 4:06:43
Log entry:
6:41:12
